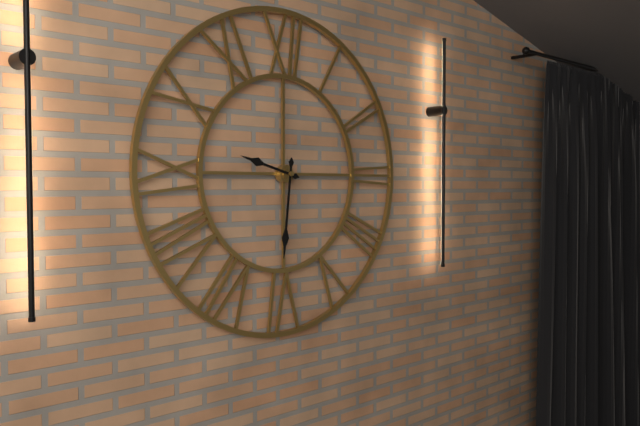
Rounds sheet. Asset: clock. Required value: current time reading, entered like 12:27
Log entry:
9:31
